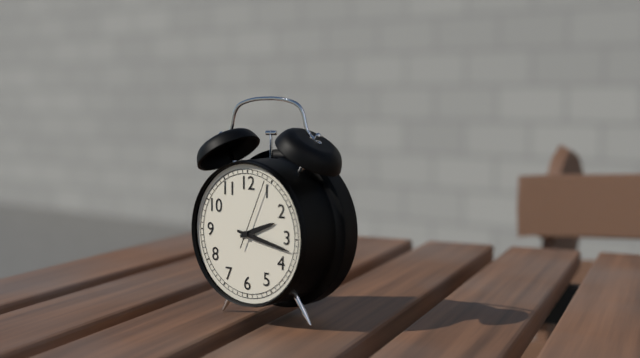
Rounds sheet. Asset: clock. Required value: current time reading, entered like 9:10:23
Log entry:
2:17:04
